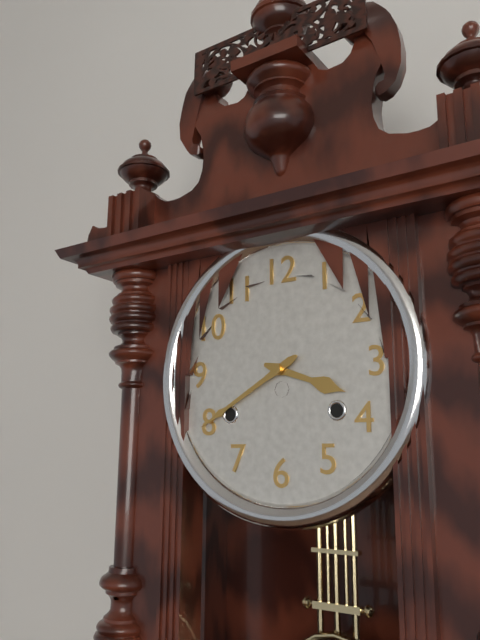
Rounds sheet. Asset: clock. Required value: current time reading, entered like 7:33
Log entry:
3:40
